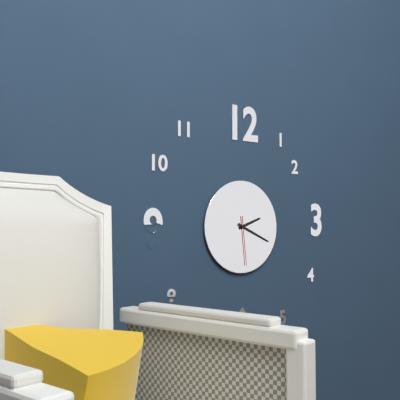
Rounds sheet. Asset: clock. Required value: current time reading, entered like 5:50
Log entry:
2:19
